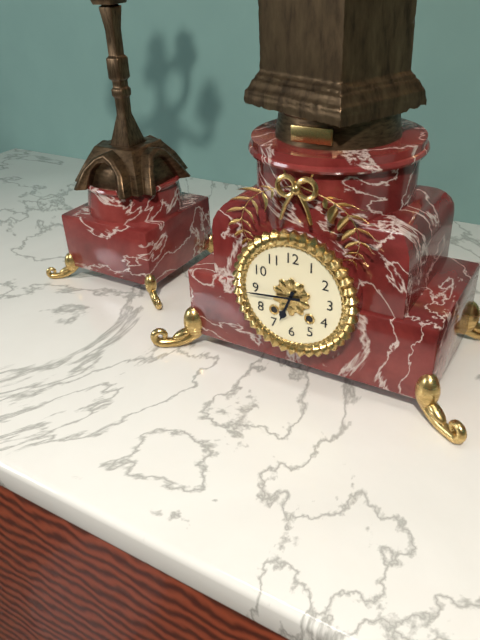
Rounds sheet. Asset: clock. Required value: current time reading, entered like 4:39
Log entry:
6:44
